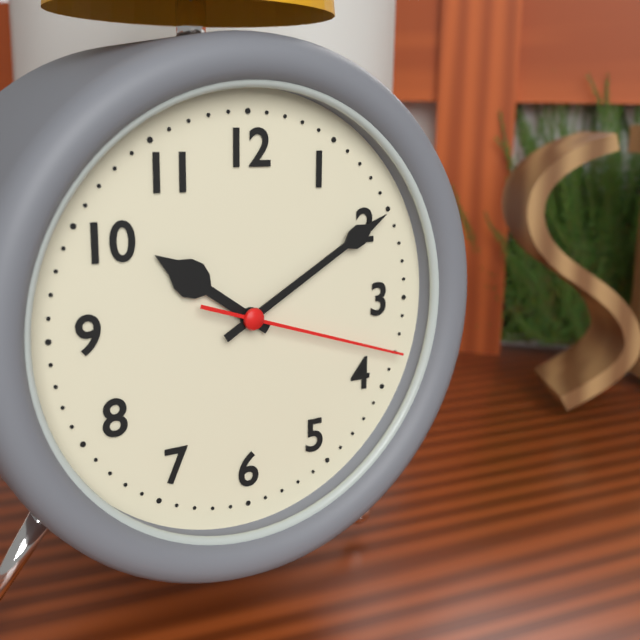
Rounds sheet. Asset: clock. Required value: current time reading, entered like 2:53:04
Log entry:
10:10:18
